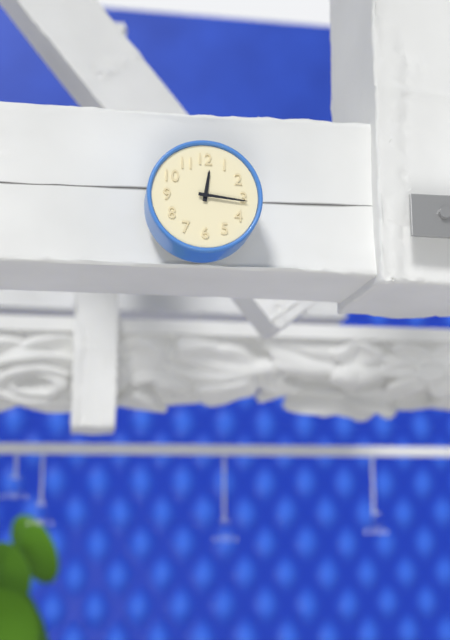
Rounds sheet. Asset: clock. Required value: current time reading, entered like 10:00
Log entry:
12:16
